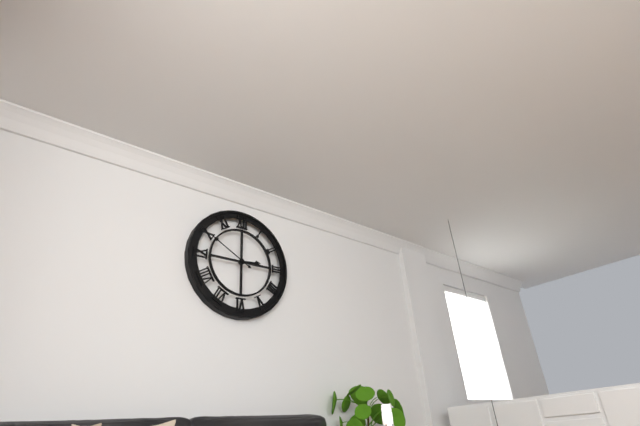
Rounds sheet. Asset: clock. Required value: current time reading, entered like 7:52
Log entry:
2:50
